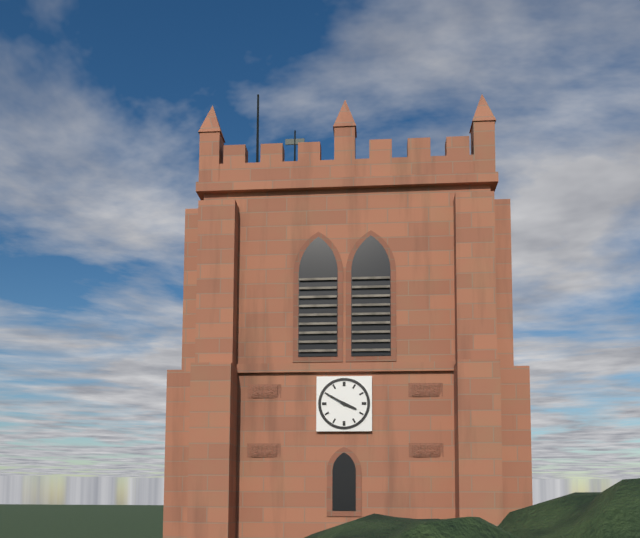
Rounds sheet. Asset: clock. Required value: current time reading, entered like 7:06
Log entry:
3:50
